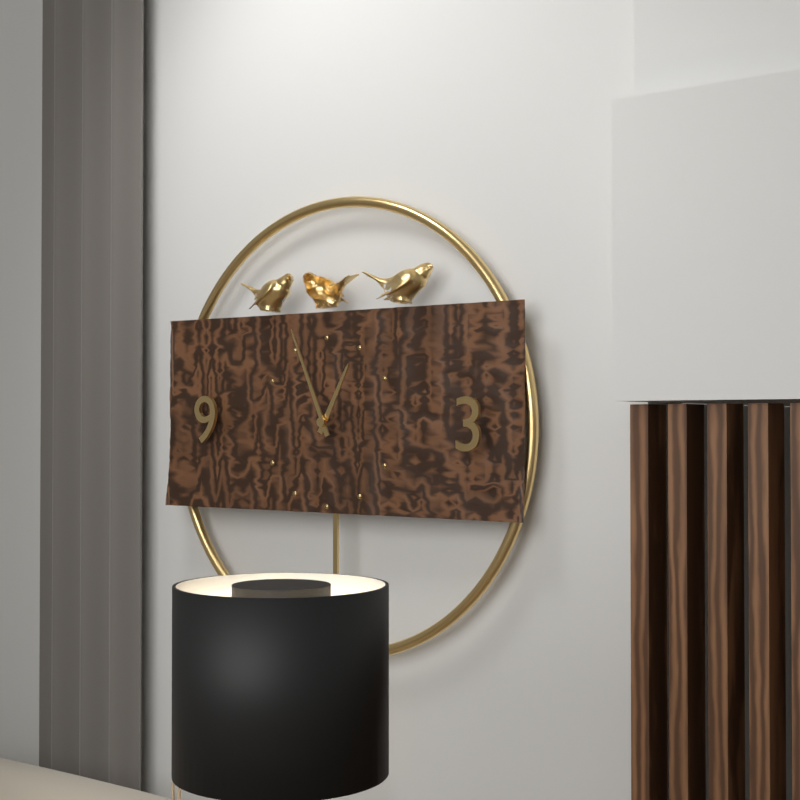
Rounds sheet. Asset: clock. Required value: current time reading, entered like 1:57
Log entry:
12:56
